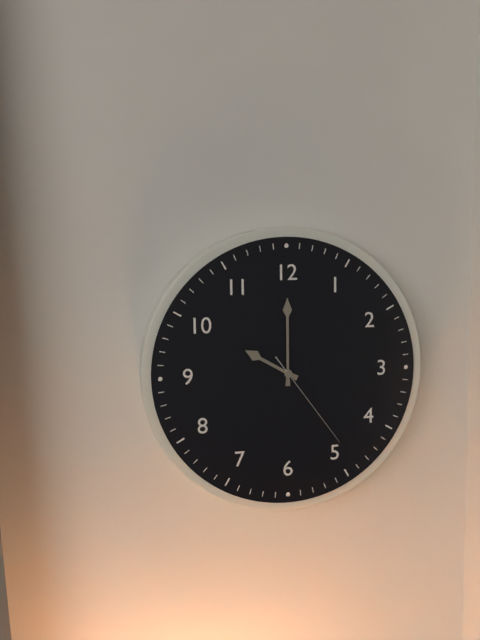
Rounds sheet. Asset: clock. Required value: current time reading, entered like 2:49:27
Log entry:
10:00:24
